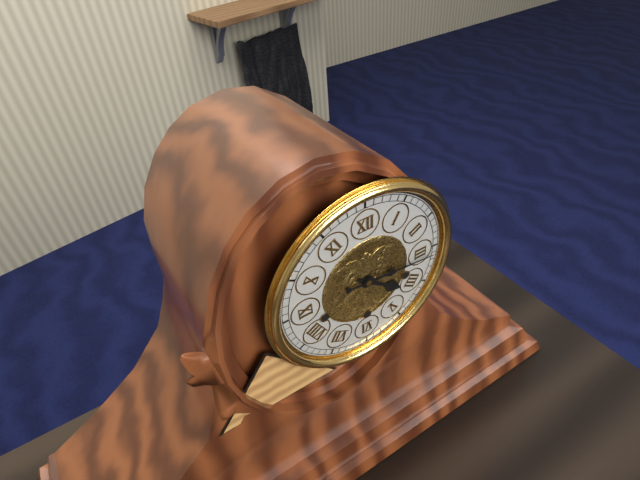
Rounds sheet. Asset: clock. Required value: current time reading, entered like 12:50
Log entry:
4:16
